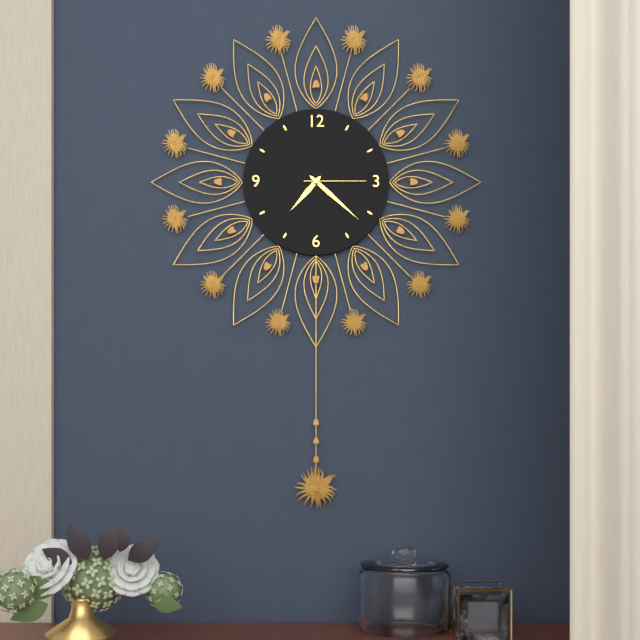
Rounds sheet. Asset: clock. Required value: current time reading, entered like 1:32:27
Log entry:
7:22:15
